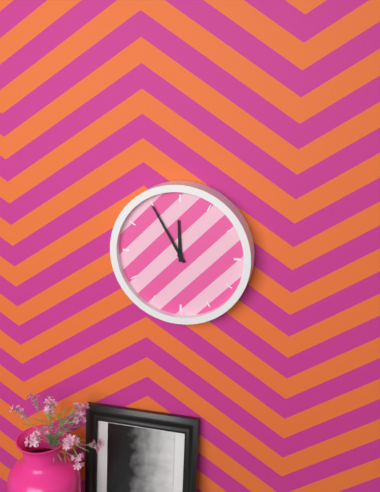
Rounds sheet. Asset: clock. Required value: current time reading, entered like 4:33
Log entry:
11:55
